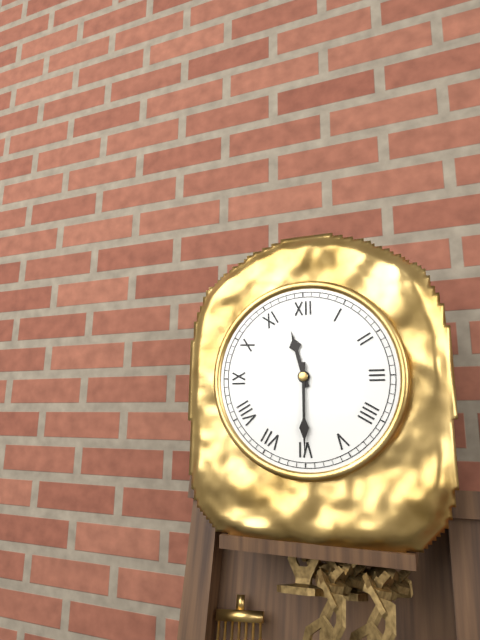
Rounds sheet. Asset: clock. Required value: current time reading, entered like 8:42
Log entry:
11:30
